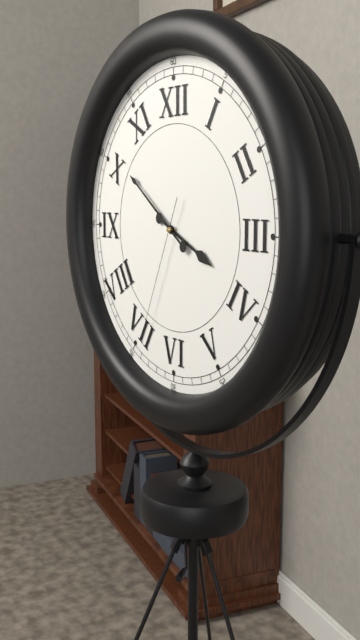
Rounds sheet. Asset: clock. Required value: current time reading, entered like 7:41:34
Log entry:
3:51:34
